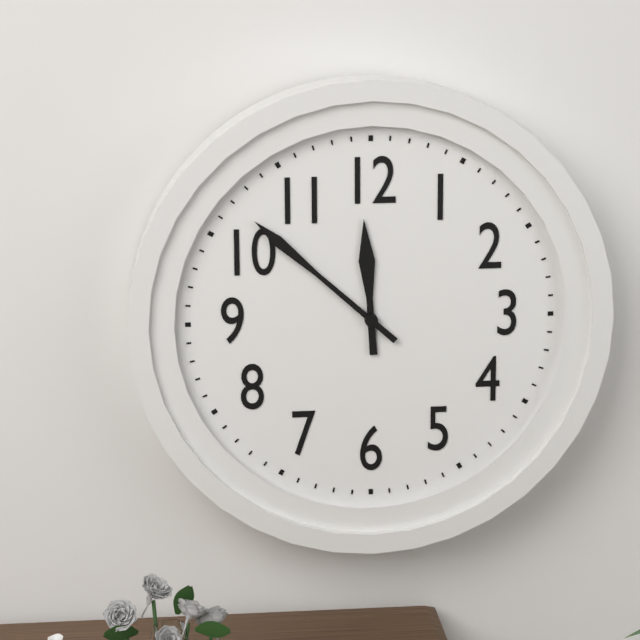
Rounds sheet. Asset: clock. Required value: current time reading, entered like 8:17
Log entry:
11:52
